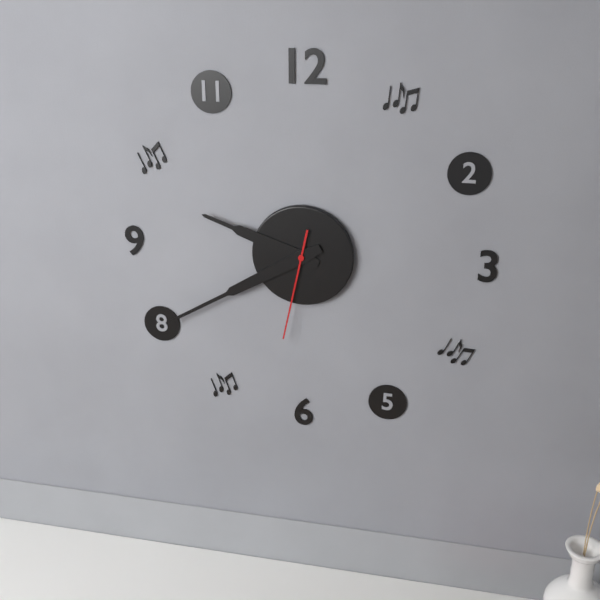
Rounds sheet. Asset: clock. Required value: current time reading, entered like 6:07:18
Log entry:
9:40:32
